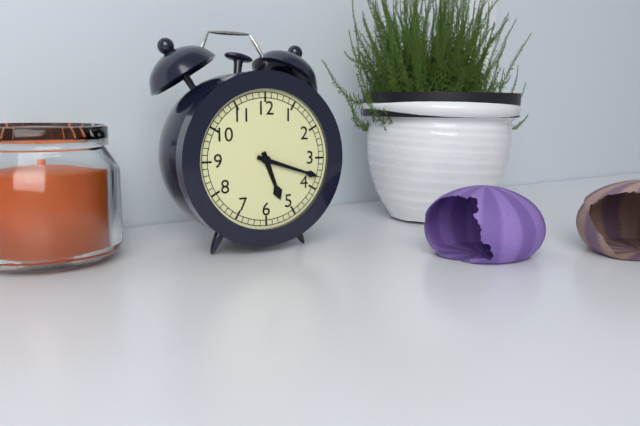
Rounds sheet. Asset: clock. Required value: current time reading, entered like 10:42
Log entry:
5:18
